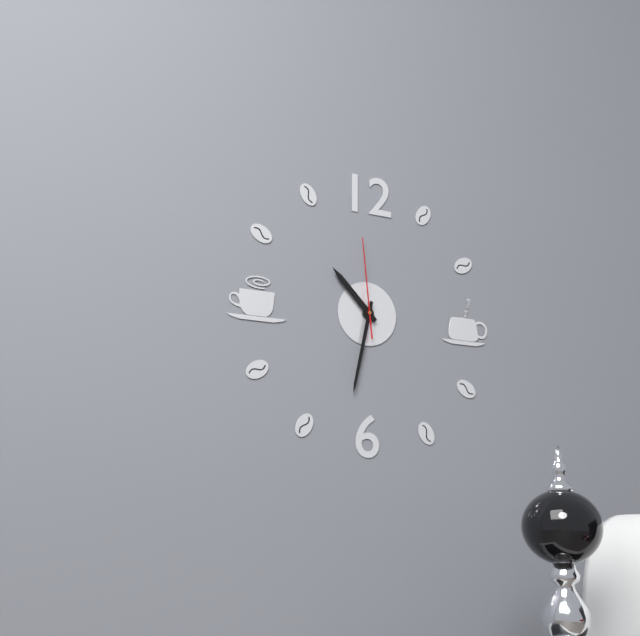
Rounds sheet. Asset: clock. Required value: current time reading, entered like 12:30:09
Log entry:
10:32:59
